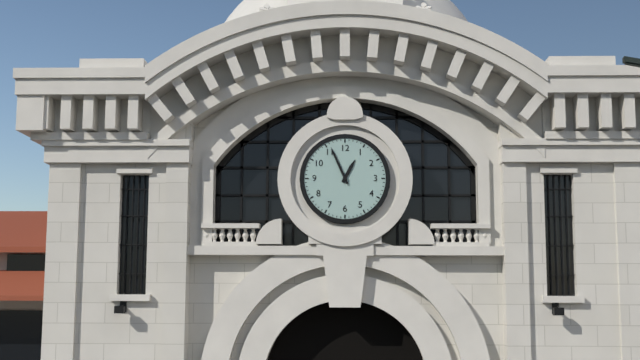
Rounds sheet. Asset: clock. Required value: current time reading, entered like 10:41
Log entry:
12:56
